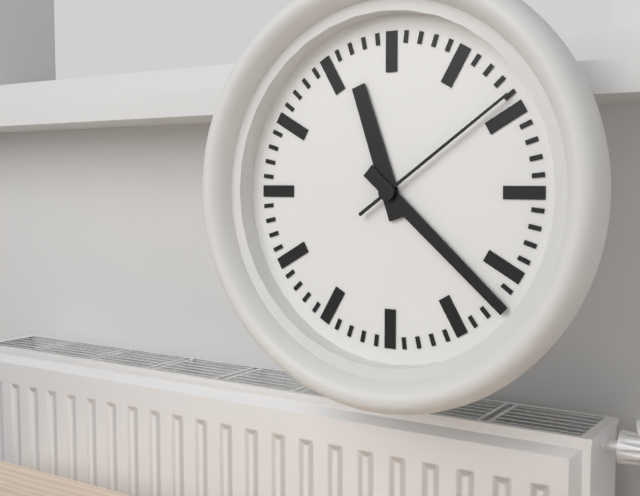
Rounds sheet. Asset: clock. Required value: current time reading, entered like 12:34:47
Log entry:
11:22:09
